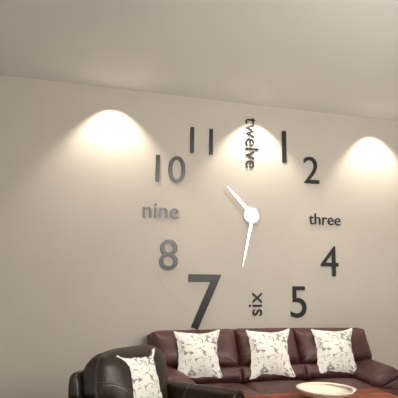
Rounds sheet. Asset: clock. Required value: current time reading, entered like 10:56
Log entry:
10:32
